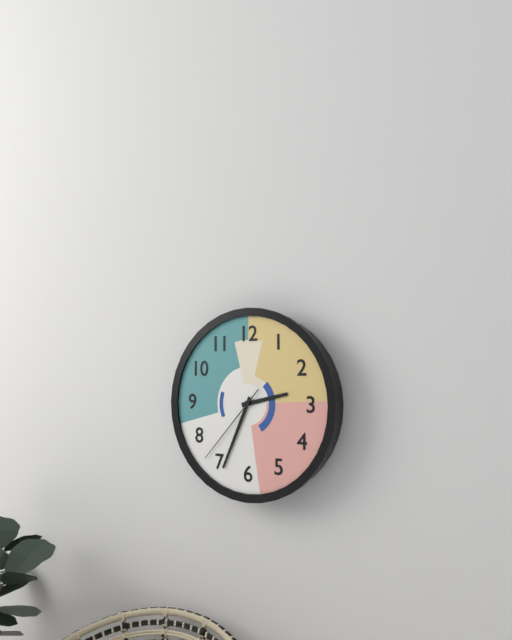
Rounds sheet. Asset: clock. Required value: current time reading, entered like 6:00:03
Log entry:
2:34:37
